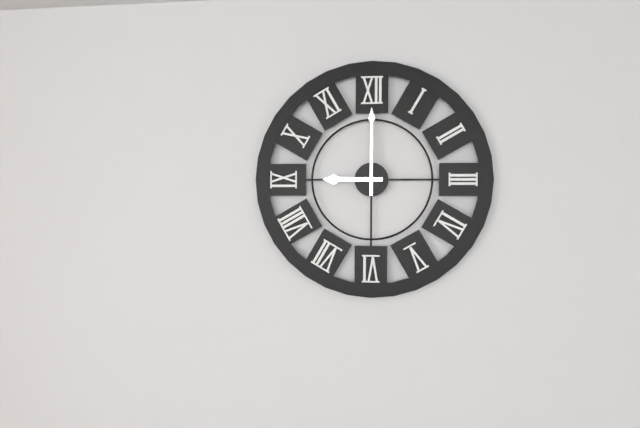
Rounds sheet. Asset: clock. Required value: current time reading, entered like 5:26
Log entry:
9:00
